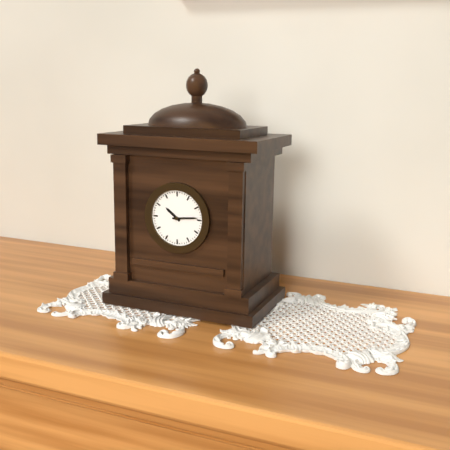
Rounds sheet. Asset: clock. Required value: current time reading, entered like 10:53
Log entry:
10:14
